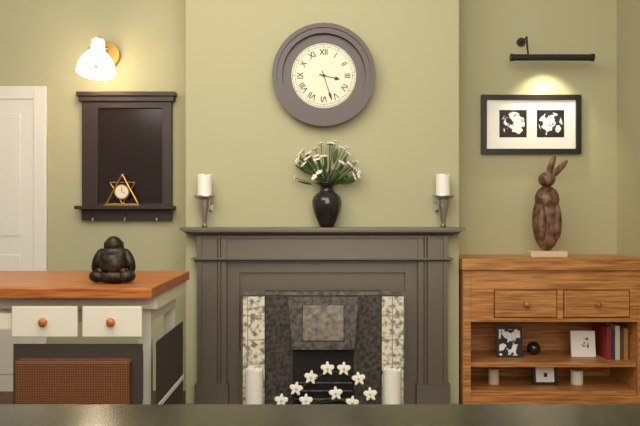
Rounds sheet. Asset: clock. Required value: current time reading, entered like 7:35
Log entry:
3:27
